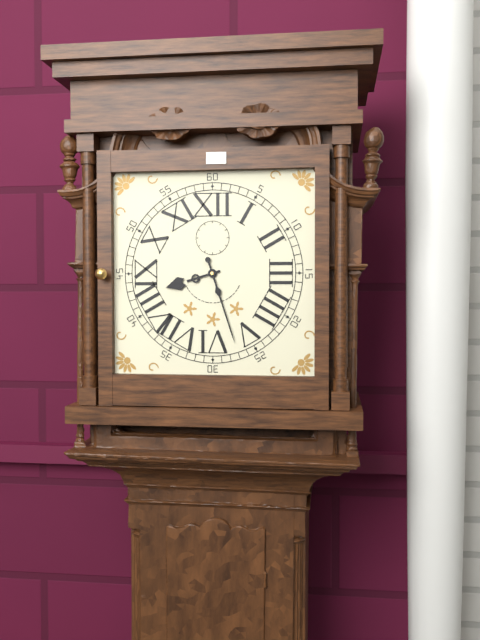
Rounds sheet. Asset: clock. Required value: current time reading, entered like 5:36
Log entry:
8:27
